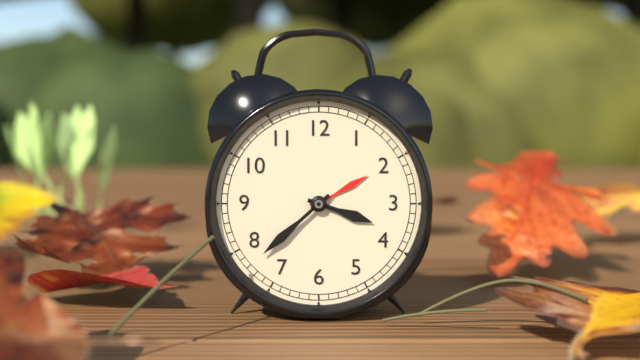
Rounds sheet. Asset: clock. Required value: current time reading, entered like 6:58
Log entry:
3:38
